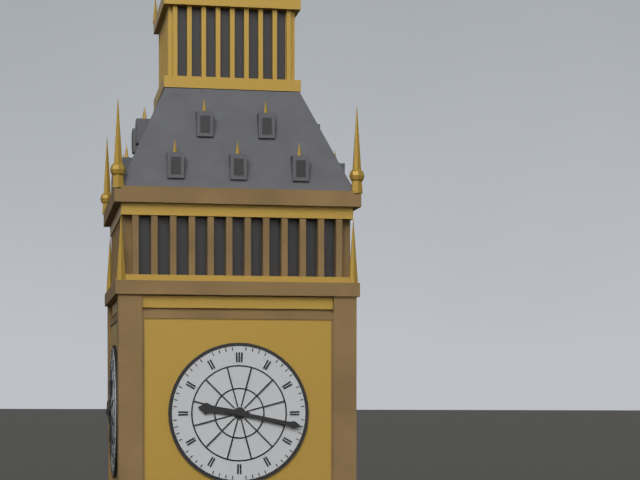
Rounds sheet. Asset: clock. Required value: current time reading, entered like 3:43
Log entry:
9:17
